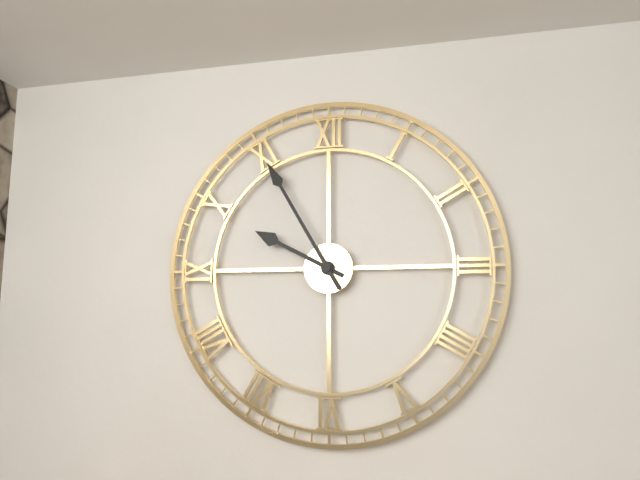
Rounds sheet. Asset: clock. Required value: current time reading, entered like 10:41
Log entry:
9:55
